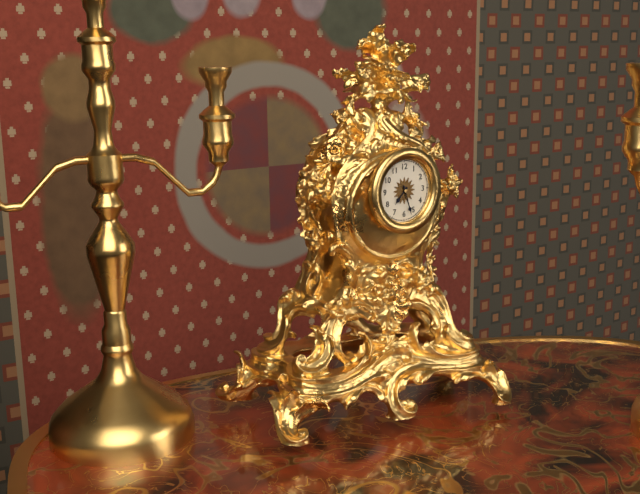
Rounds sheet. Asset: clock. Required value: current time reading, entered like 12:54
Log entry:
7:27
